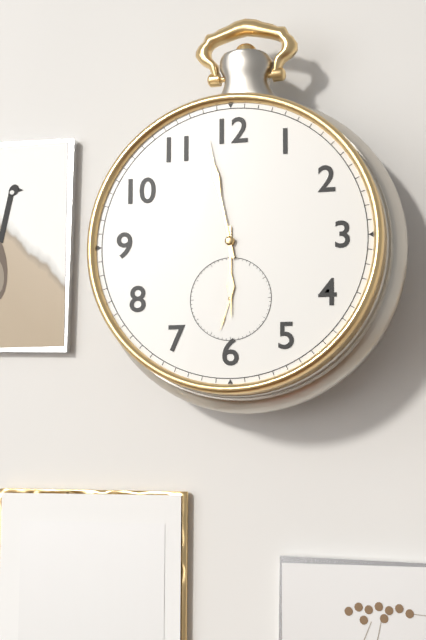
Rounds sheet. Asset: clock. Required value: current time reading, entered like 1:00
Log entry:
5:58
